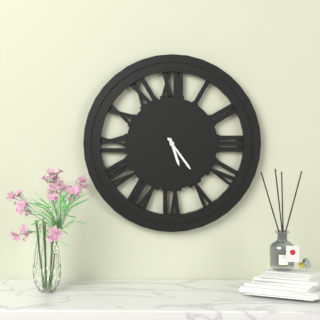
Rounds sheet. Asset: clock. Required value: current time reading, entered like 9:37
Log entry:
5:24
